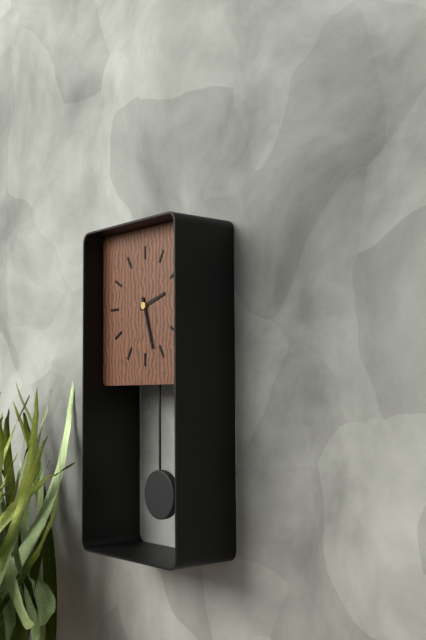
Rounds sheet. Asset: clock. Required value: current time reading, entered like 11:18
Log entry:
2:27
